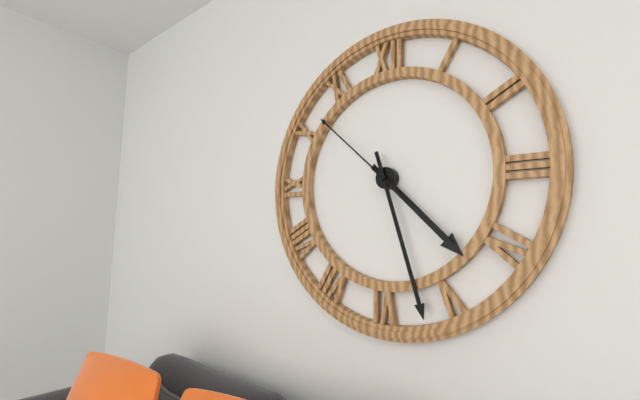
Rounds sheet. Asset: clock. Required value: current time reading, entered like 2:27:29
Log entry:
4:27:52
